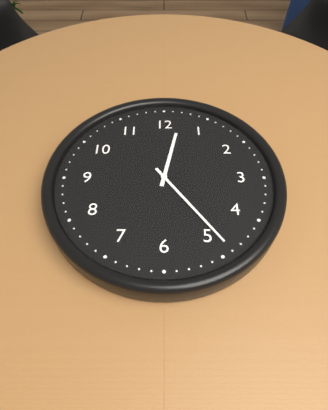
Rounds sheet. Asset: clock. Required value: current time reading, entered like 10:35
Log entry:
12:24
